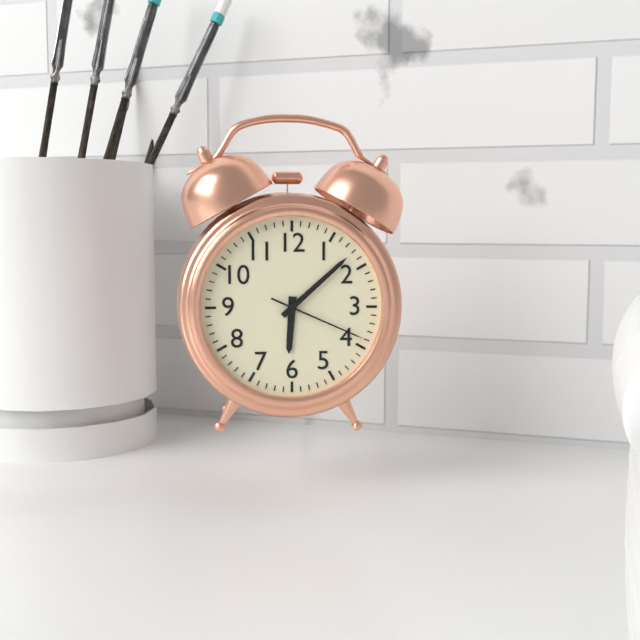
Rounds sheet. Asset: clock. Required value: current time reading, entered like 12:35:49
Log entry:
6:08:19
